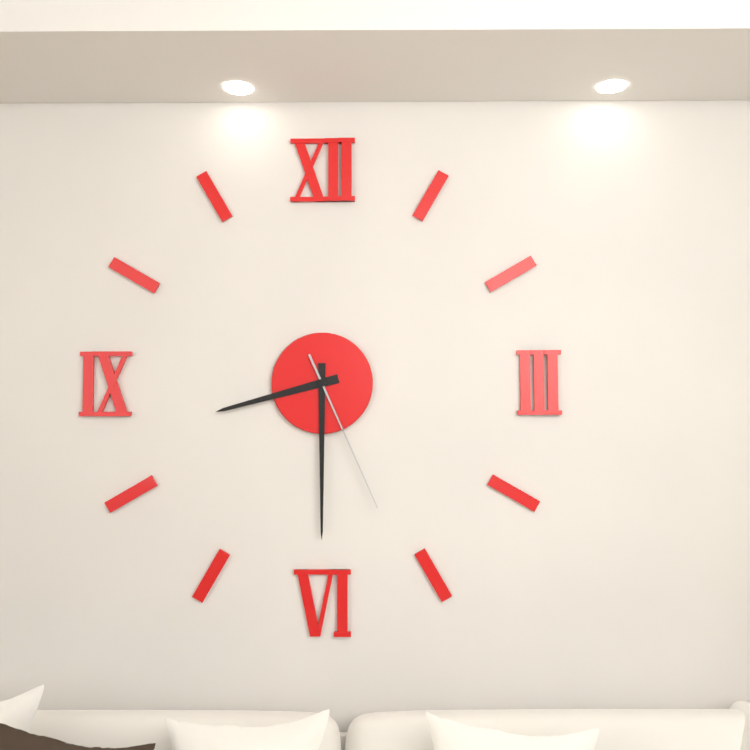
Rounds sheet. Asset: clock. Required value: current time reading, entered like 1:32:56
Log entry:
8:30:26
